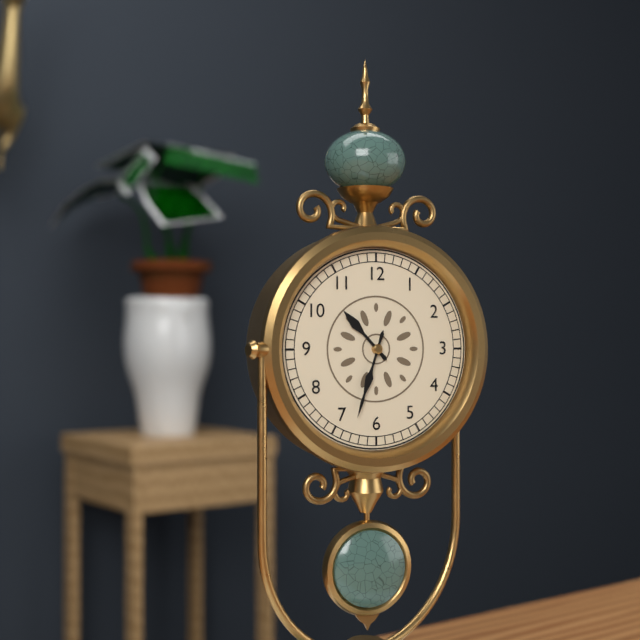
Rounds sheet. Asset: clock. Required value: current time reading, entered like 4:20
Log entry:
10:33
